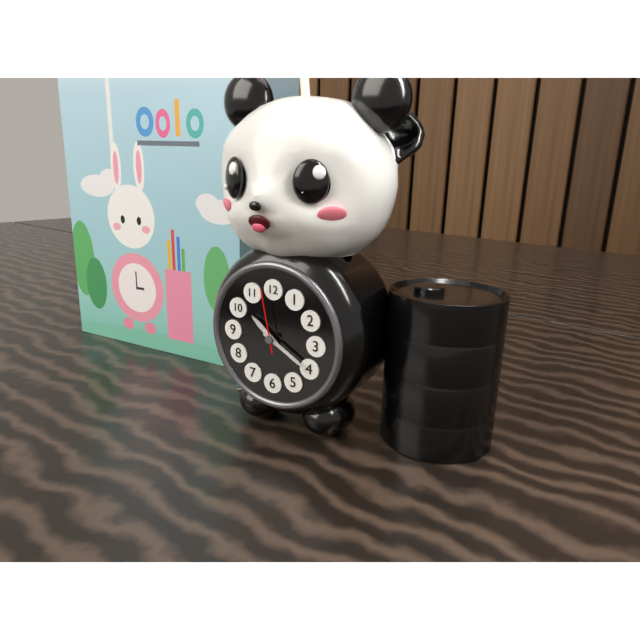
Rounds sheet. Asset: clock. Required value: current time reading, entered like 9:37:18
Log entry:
10:20:58
